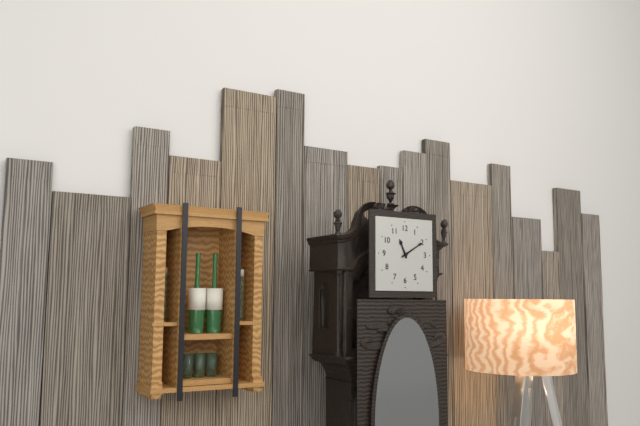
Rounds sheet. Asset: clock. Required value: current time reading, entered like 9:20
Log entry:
11:10
